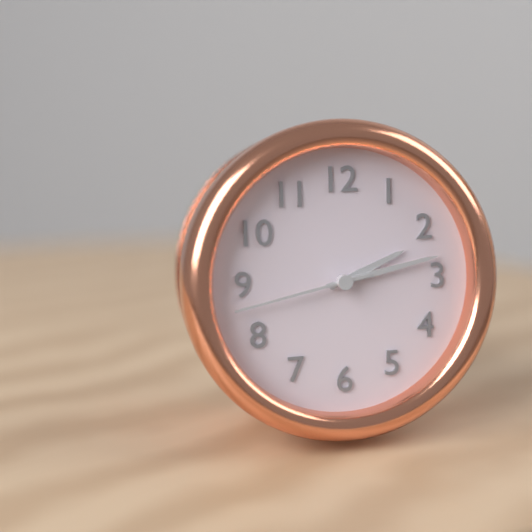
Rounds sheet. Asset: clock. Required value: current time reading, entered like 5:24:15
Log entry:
2:13:43
